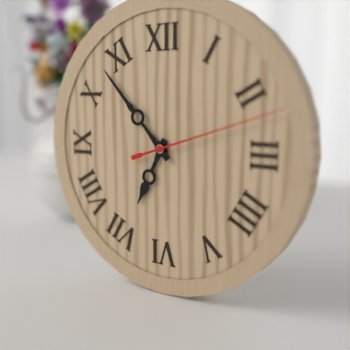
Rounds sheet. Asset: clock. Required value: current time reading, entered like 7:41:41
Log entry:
6:53:12
